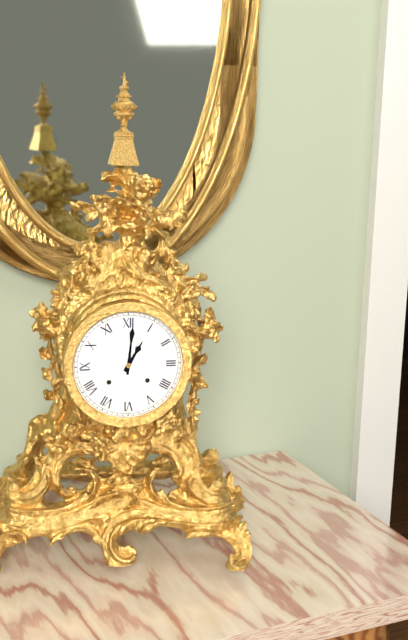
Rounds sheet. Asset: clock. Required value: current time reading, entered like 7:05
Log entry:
1:01
